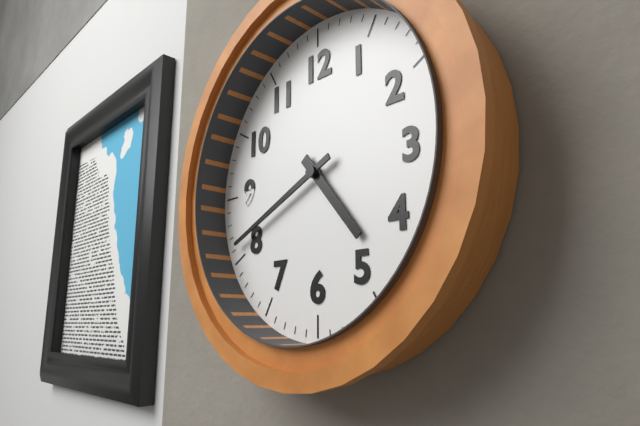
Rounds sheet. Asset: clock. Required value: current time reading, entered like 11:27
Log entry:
4:41
